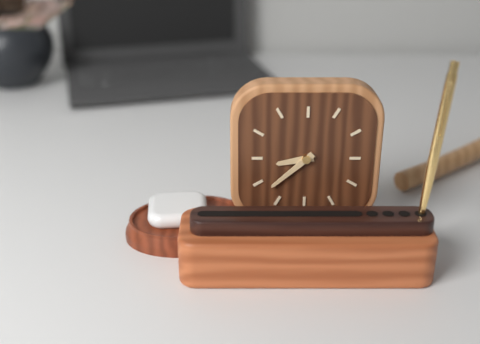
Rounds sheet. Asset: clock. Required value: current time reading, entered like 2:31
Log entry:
8:38
